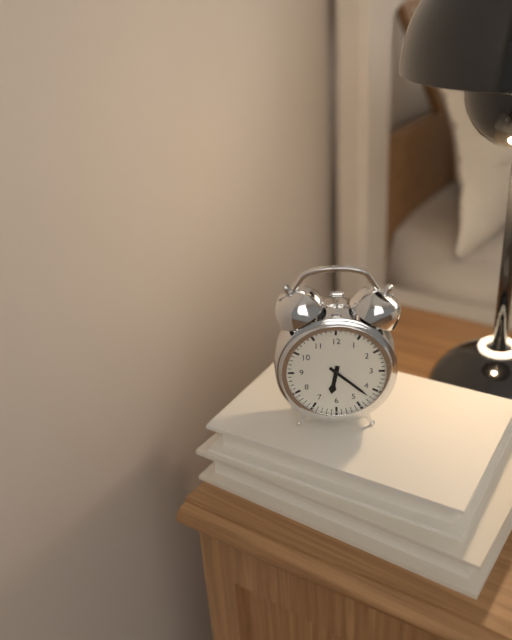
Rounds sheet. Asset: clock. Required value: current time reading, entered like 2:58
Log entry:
6:22
